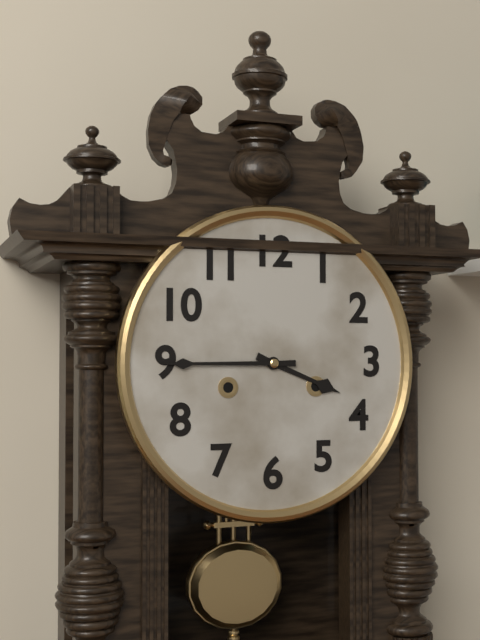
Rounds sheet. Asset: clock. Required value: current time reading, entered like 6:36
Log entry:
3:45
